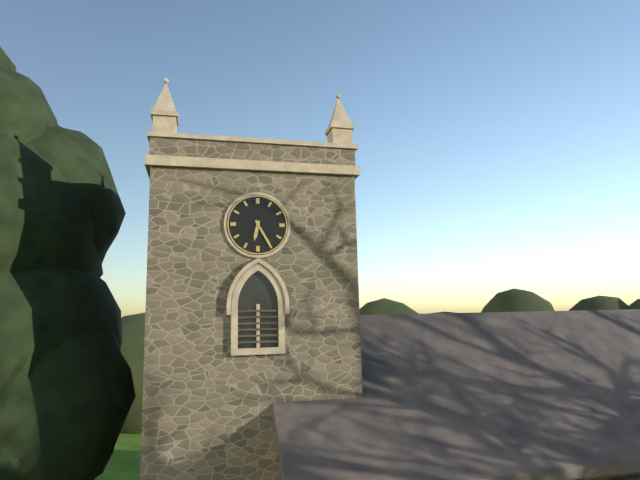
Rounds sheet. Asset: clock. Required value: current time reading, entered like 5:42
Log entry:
6:25
